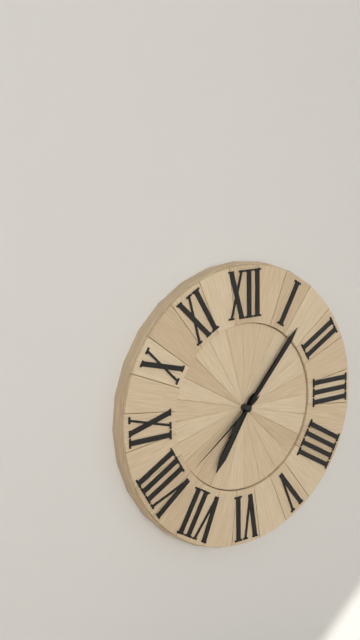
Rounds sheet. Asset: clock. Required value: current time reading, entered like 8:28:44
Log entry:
7:07:39
